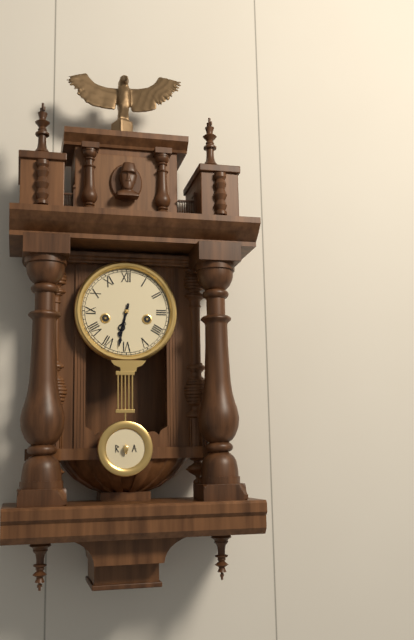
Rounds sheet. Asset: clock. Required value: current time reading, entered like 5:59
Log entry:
6:32
